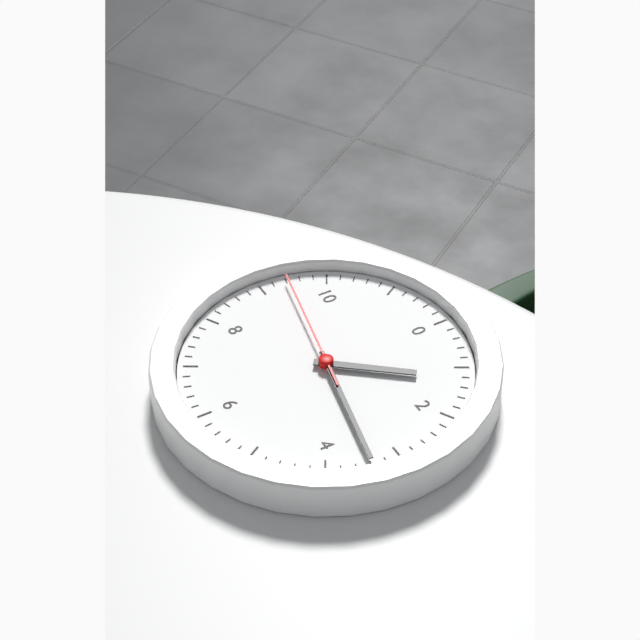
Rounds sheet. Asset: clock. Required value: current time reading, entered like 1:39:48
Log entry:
1:17:47
